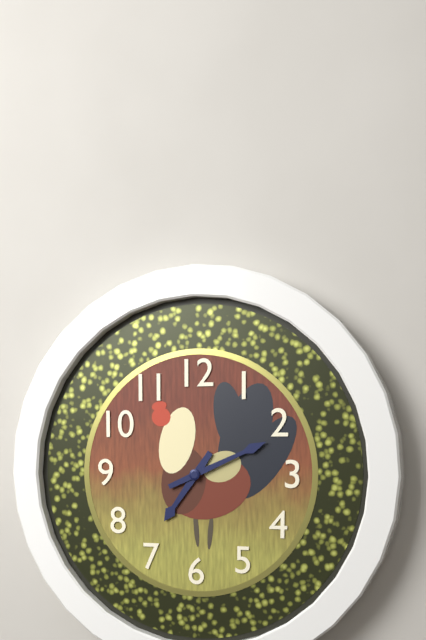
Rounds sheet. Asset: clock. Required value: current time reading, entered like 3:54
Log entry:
7:11
